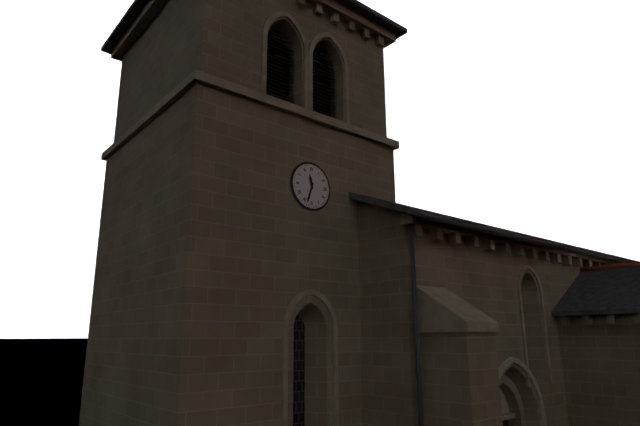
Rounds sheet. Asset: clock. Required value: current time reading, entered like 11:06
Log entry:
11:33
